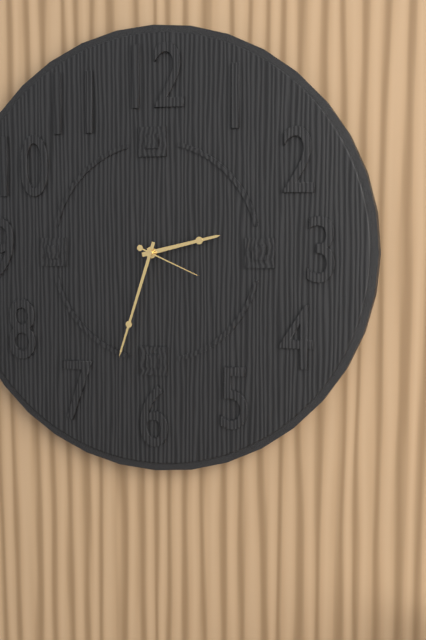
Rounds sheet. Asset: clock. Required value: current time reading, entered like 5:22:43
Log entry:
2:33:19
